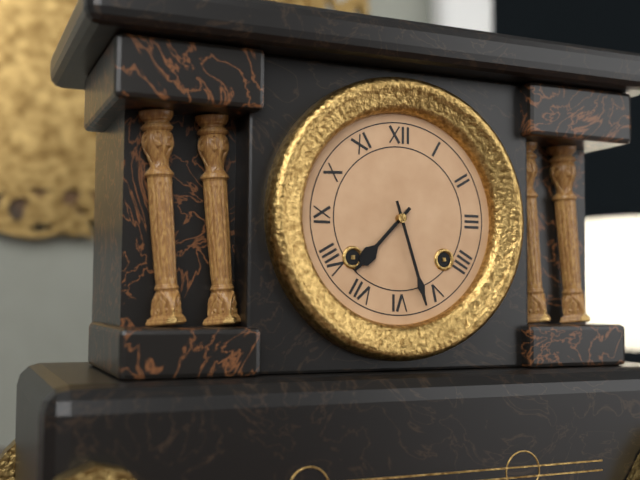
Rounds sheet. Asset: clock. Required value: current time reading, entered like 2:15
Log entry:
7:27
